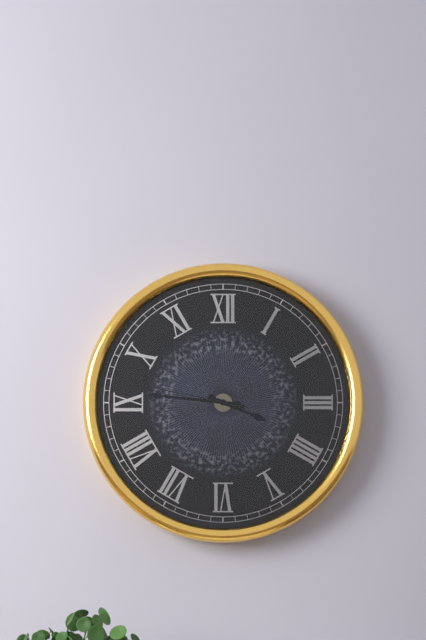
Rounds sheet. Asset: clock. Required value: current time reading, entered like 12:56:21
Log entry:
3:46:47
